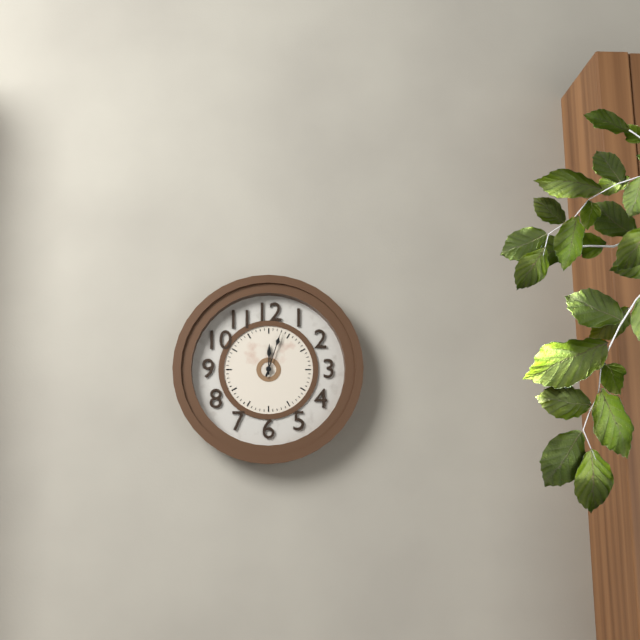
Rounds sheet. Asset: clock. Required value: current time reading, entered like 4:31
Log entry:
12:03
